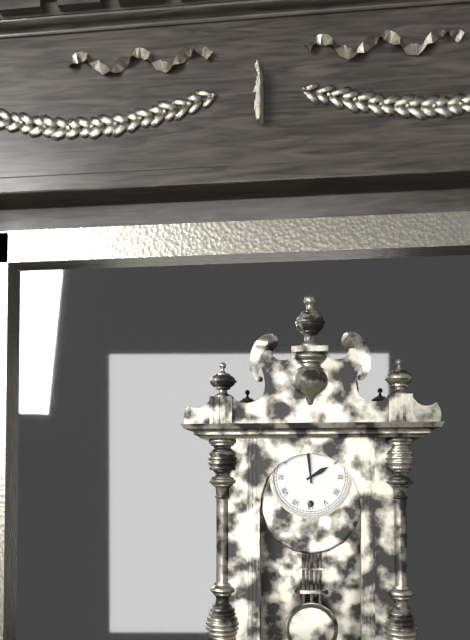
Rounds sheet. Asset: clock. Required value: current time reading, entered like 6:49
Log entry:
1:59
